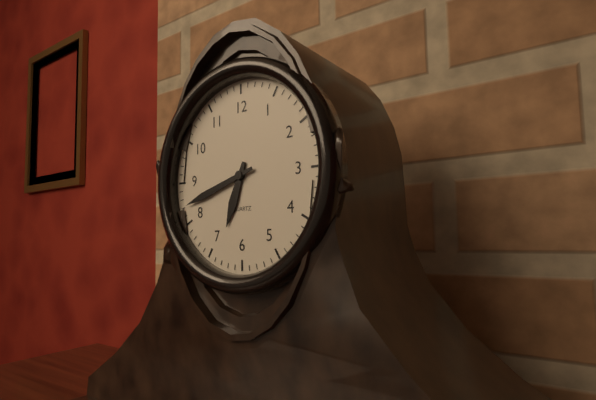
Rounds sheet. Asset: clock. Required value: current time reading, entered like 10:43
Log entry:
6:42
